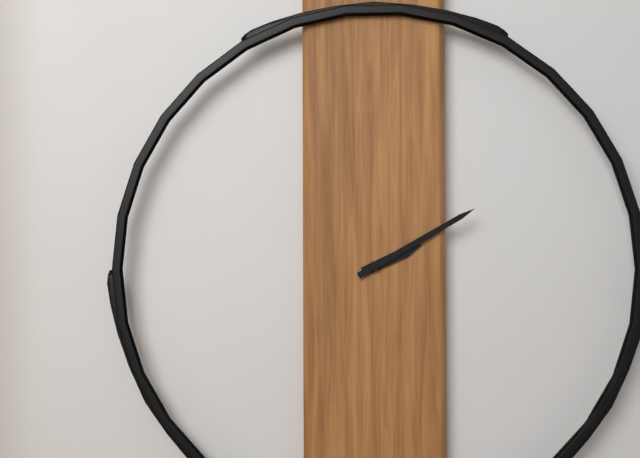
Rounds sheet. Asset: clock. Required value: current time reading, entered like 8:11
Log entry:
2:10
